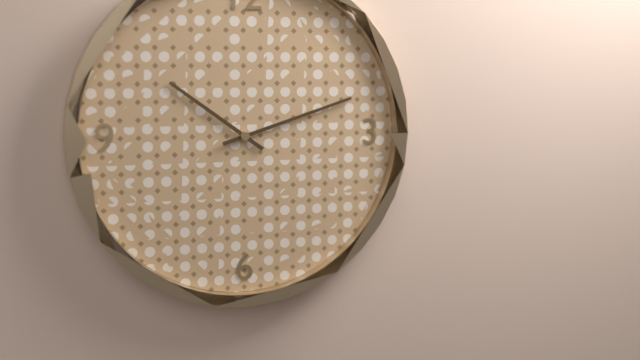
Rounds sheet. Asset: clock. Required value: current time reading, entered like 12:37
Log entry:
10:12
